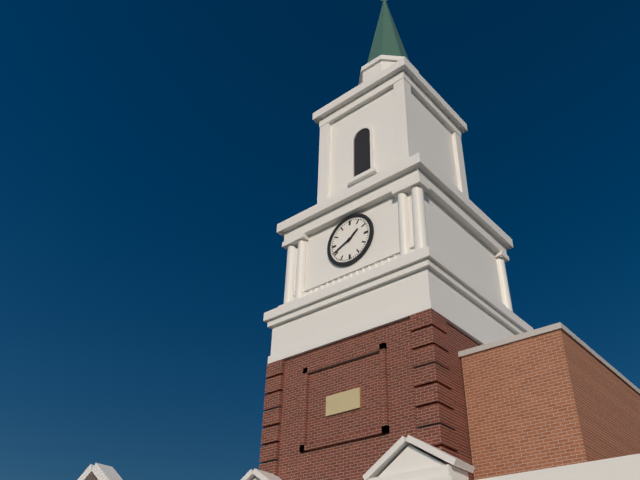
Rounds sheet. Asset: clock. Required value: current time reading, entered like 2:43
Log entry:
1:41
